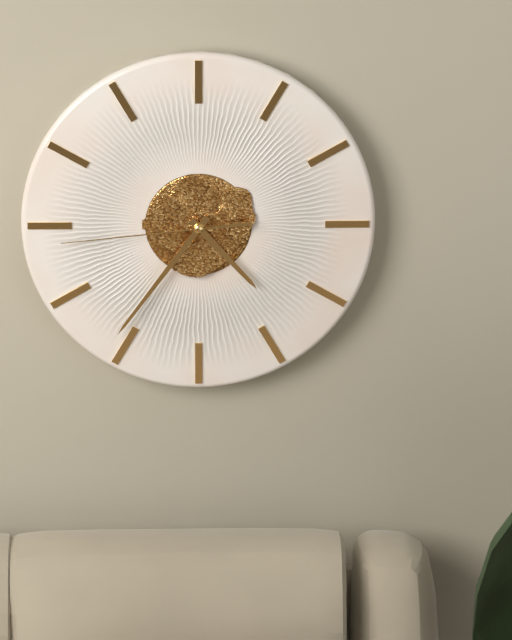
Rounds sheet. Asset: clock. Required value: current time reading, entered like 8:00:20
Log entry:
4:36:44
